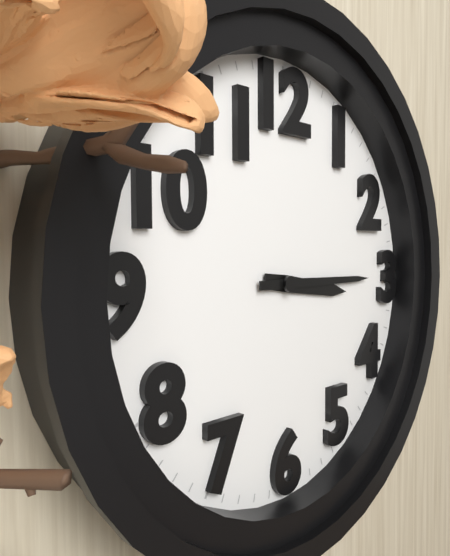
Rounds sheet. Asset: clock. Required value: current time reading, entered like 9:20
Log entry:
3:15
